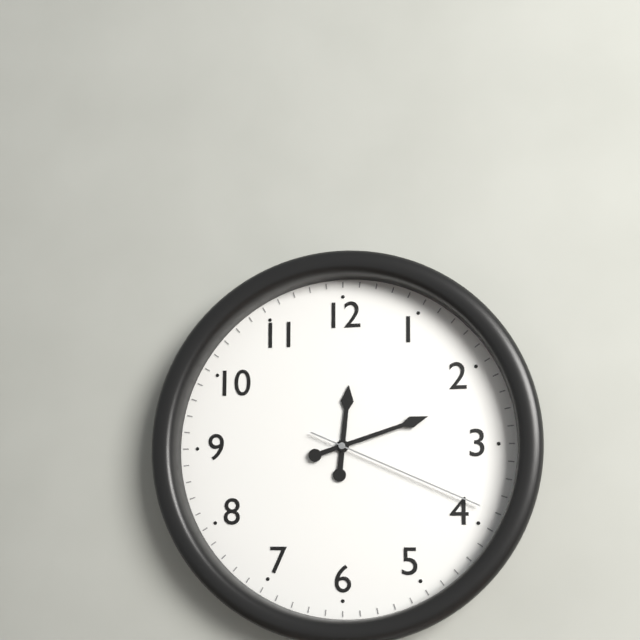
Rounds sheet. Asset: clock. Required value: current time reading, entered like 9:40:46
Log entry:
12:12:19
